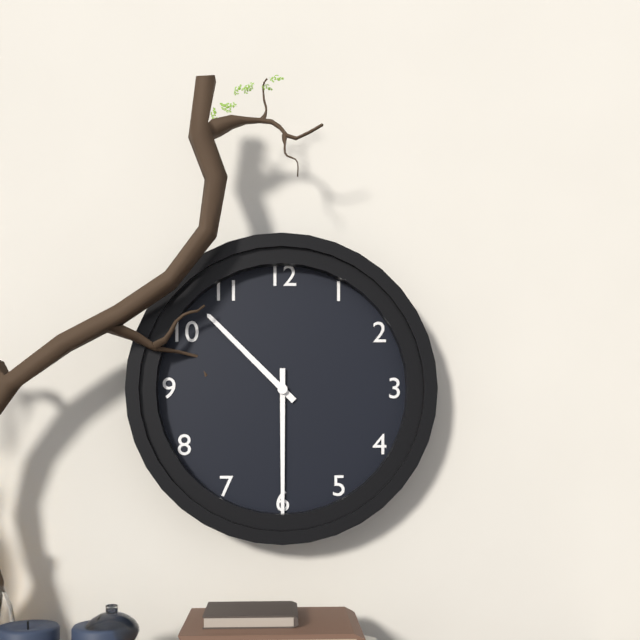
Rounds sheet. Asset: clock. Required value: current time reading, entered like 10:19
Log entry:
10:30
